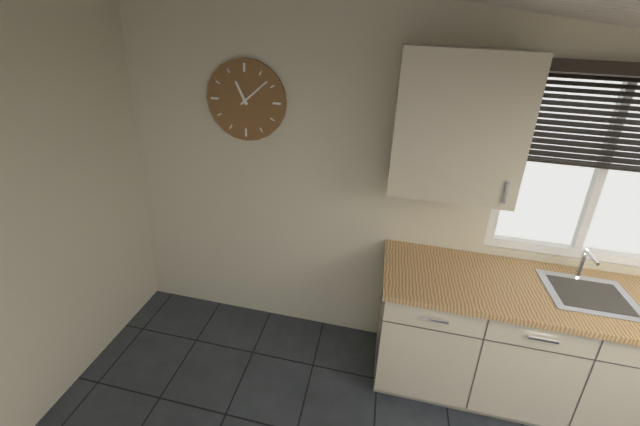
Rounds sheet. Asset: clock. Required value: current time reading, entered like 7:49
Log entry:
11:08
